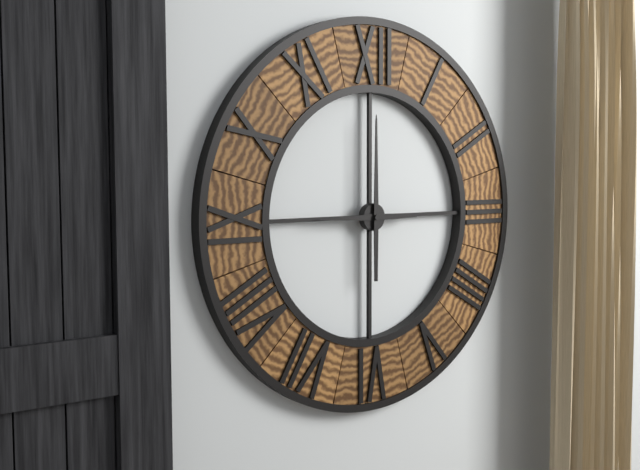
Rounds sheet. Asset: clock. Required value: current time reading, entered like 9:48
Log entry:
9:00
